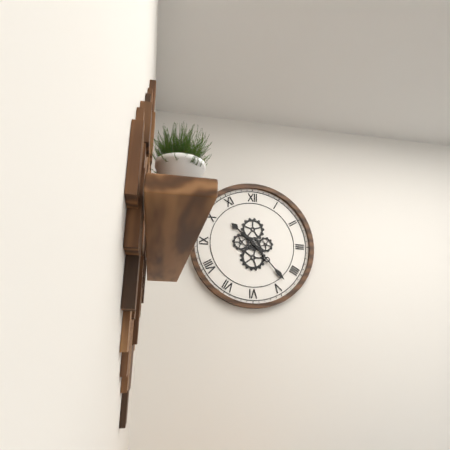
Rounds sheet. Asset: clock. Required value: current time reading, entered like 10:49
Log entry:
10:23
